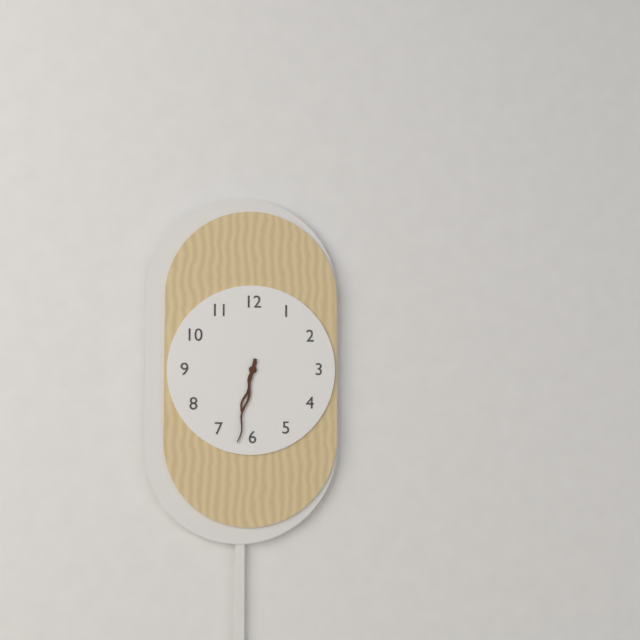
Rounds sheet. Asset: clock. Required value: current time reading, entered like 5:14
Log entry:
6:32
